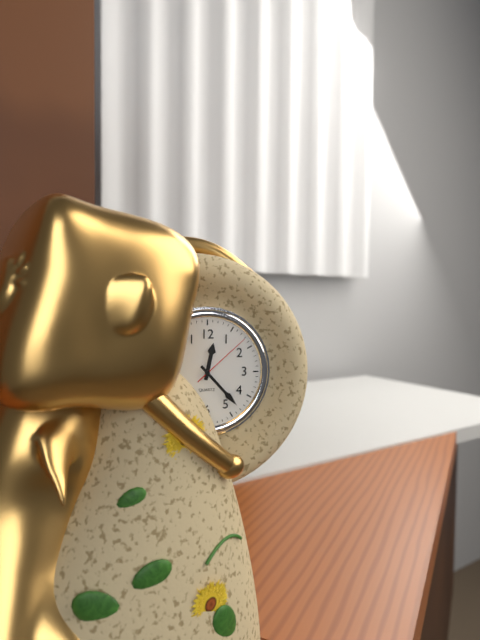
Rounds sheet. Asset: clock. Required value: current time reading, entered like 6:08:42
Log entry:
12:23:08
